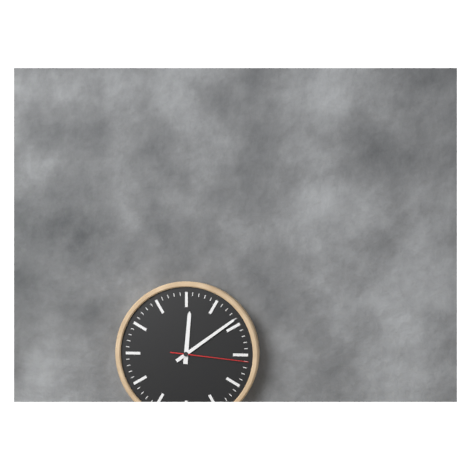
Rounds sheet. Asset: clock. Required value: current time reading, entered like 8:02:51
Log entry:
12:09:16
